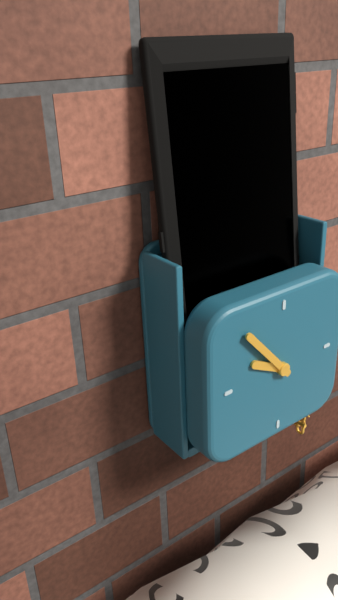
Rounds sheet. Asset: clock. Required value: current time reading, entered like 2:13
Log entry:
9:53
